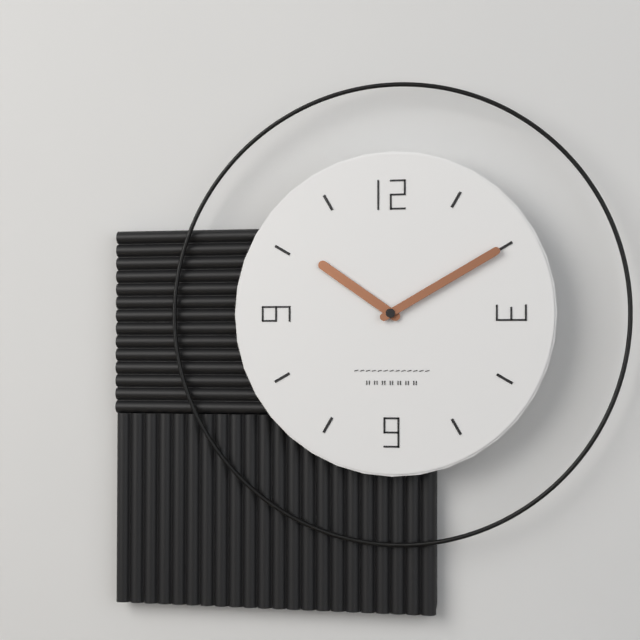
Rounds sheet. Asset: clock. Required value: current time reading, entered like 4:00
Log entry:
10:10
